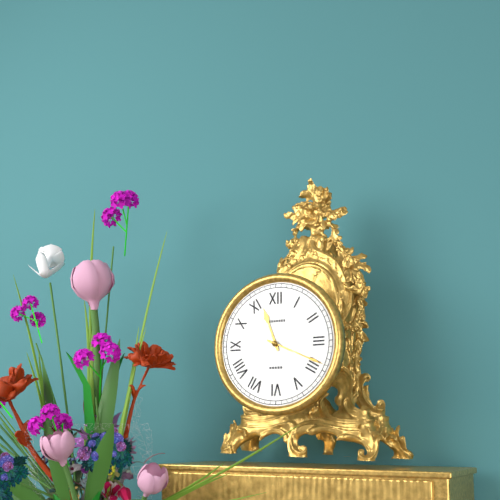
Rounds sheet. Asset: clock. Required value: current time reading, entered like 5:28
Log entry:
11:19
